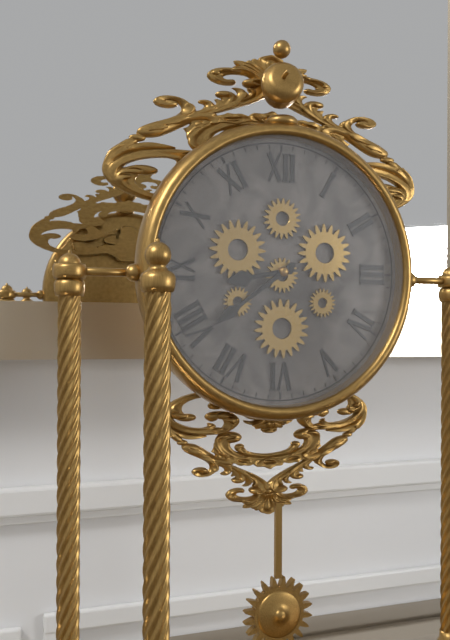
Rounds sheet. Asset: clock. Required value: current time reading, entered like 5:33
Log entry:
8:39
